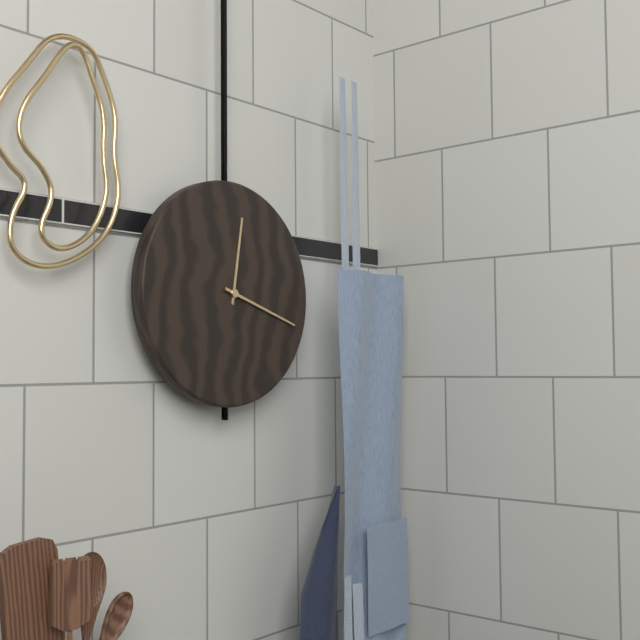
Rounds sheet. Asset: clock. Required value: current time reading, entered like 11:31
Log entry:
12:18
